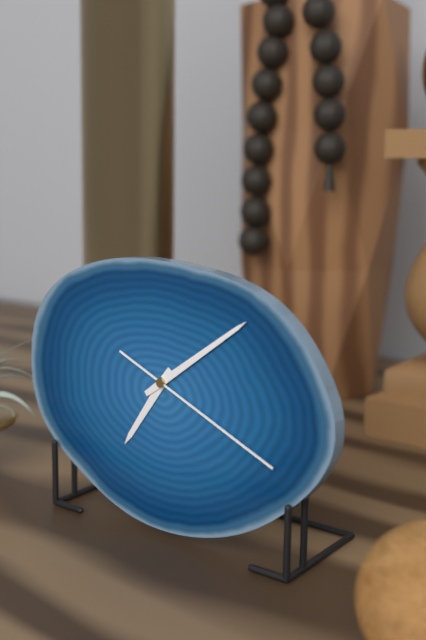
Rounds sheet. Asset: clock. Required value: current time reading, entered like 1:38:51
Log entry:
7:09:19
